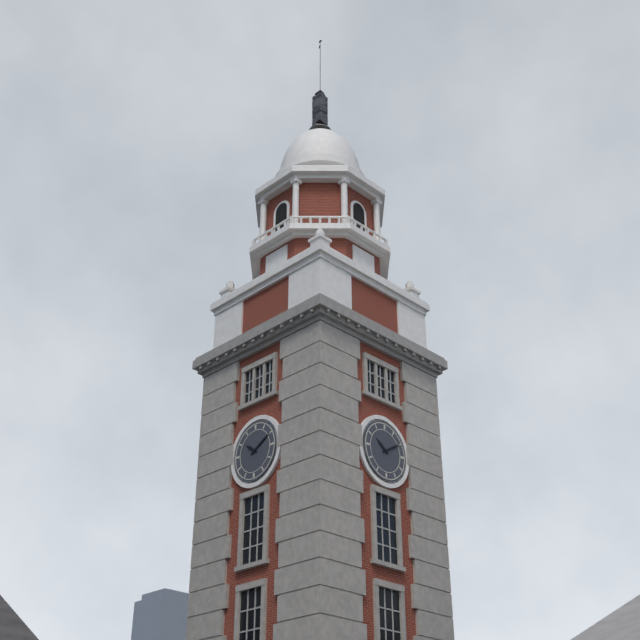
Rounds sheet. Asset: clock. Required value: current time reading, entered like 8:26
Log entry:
10:10
